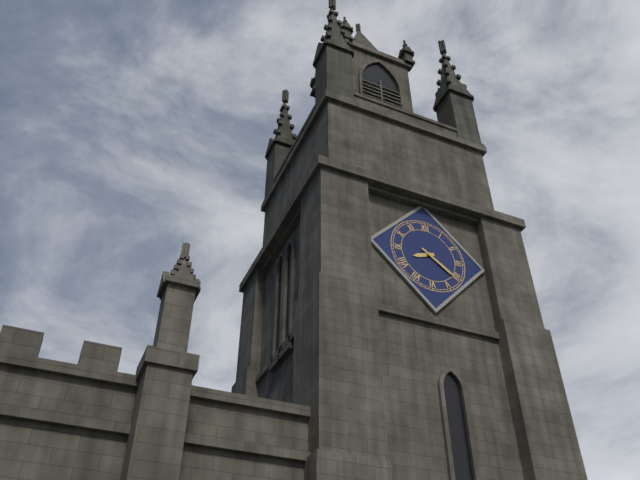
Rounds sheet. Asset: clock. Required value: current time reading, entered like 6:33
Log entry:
8:21
